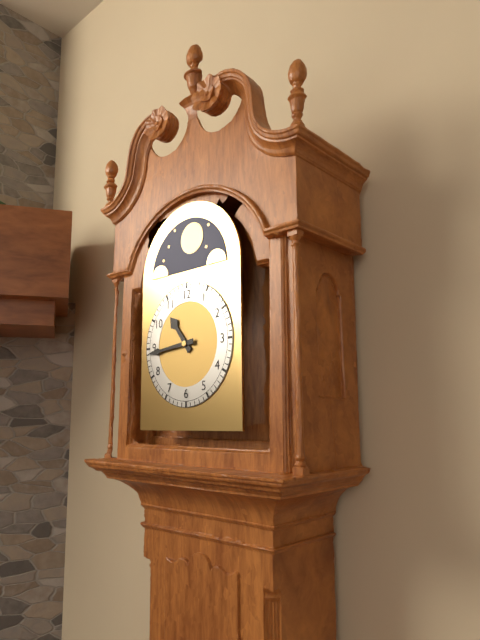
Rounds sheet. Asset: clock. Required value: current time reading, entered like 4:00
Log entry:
10:44
